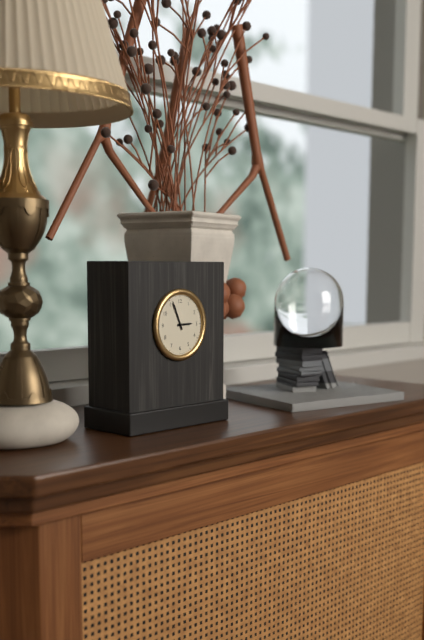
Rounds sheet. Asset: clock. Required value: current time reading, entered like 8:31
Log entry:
2:56
